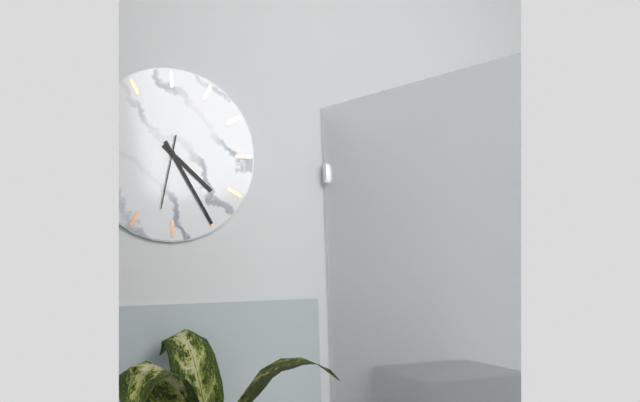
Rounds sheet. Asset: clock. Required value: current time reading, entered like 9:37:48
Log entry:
4:25:32
